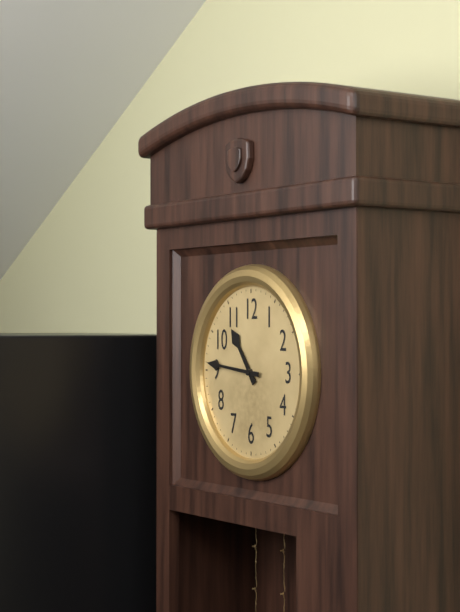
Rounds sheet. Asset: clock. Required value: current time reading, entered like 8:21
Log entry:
10:46
